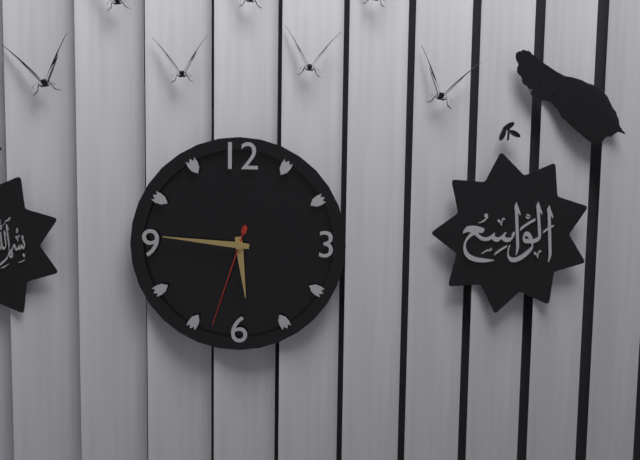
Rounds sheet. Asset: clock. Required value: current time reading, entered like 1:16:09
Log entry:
5:46:33
